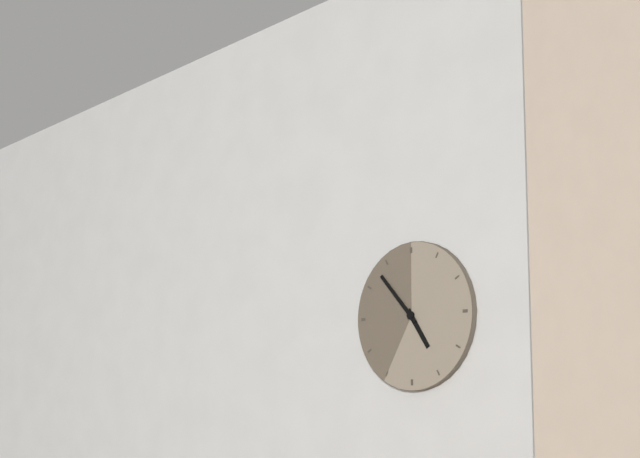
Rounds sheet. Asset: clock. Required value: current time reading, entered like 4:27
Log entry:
4:53
